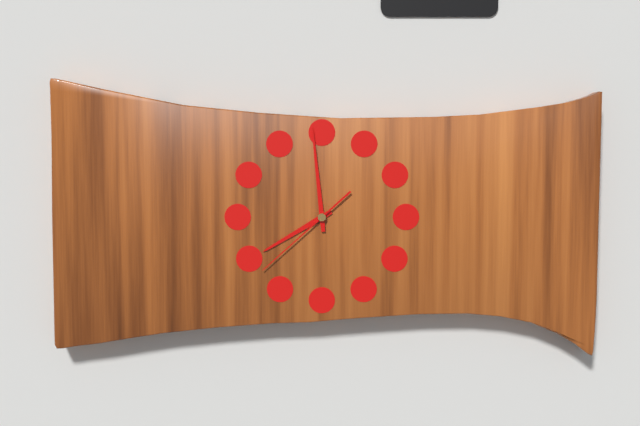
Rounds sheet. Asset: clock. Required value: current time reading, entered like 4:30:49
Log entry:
7:59:38
